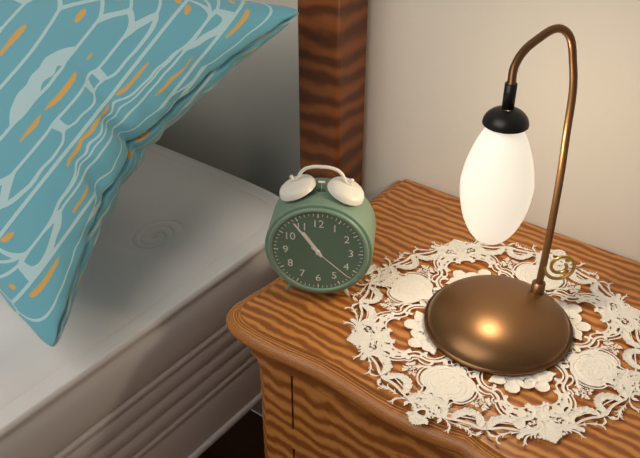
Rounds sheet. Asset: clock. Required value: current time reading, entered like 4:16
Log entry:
10:54
